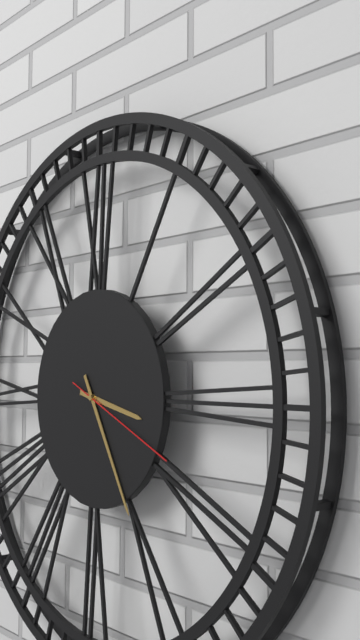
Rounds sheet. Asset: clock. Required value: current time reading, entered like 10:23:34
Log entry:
3:25:19
